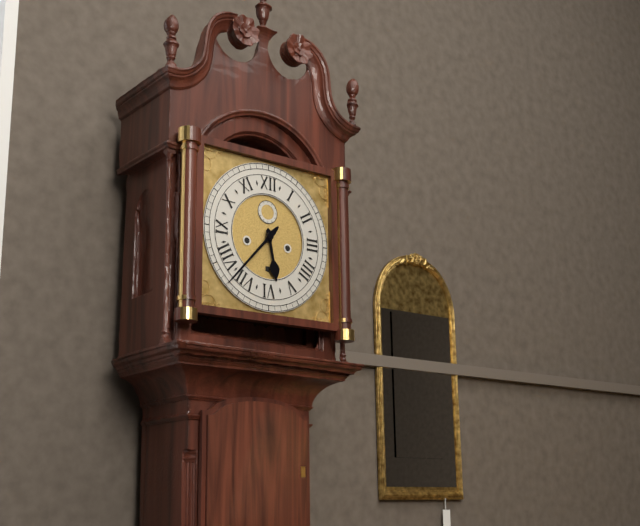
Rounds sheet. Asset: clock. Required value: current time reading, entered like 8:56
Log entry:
5:37
